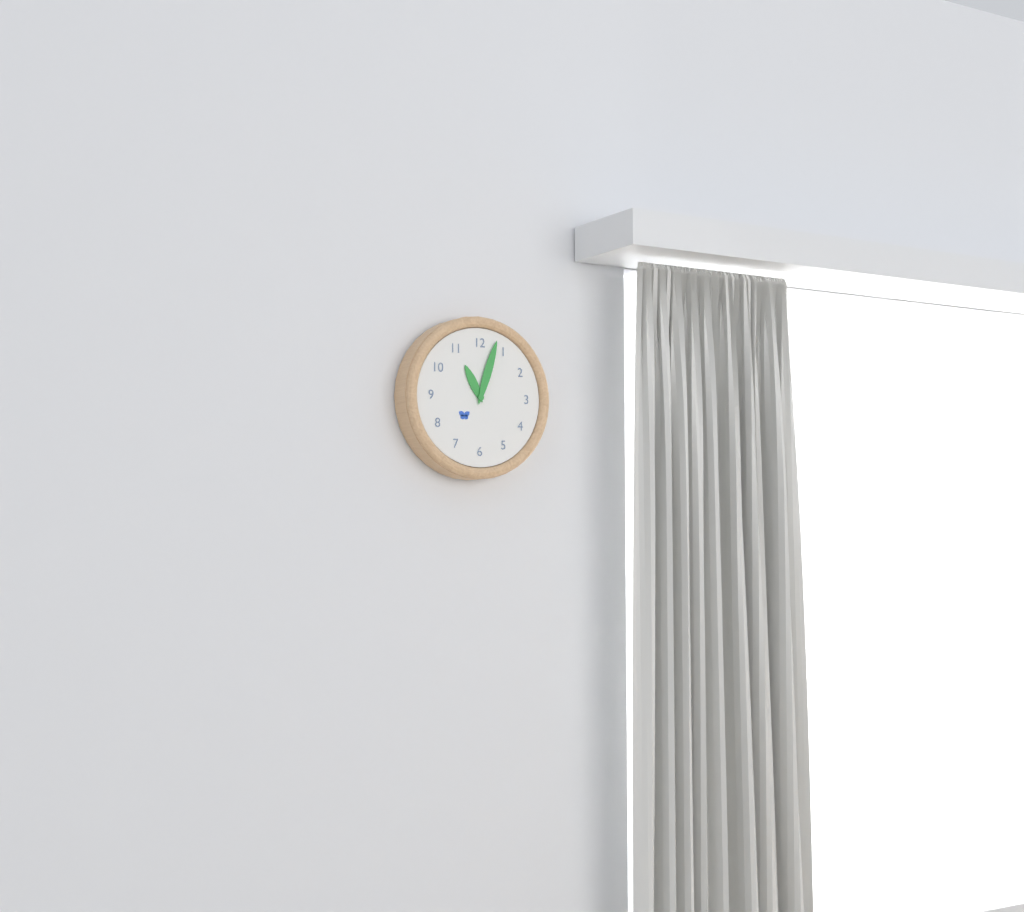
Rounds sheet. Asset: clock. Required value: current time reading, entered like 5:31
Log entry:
11:03
